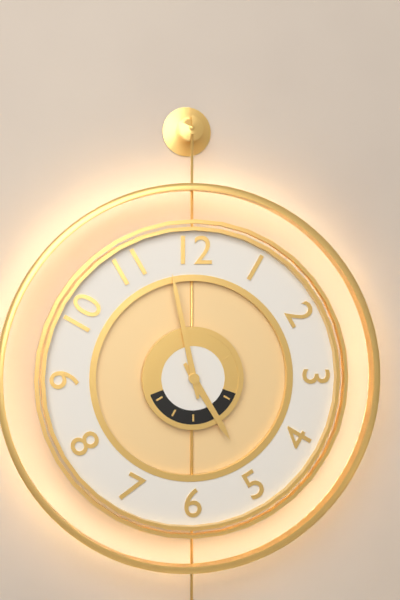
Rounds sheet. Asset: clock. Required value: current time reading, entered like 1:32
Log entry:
4:58
